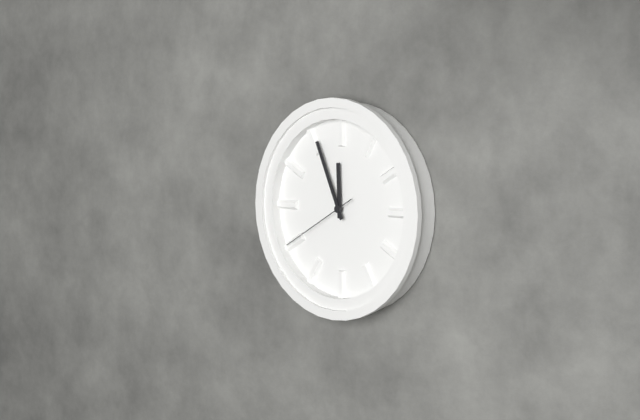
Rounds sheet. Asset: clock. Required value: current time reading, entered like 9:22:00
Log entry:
11:56:40
